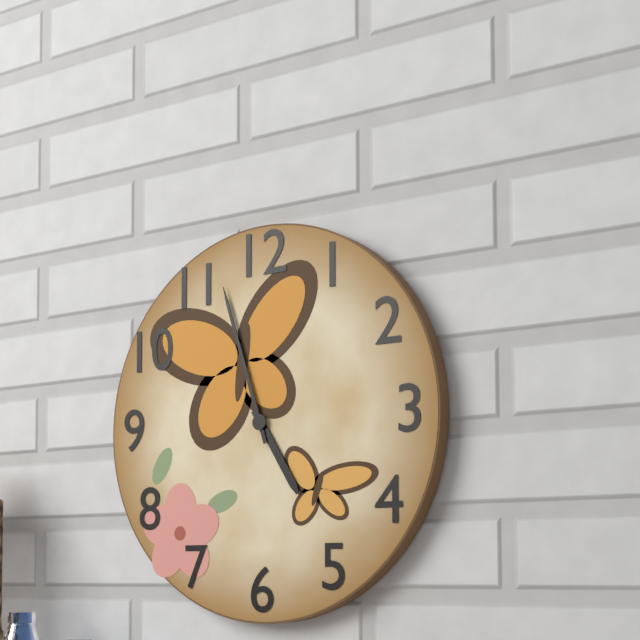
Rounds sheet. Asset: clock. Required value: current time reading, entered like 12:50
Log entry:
4:57
